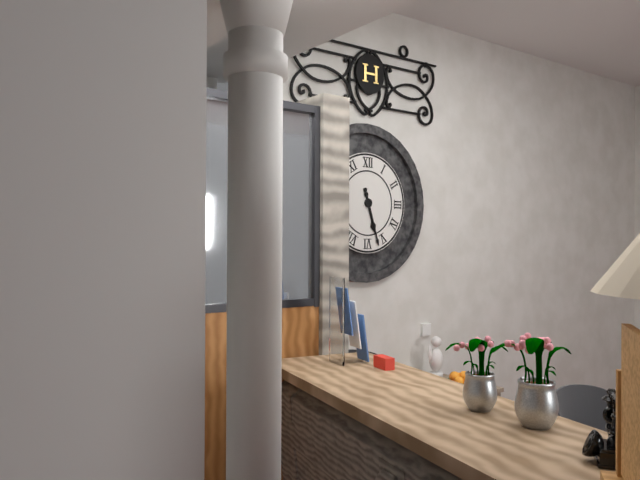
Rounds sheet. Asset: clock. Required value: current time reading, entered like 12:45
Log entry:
5:27
